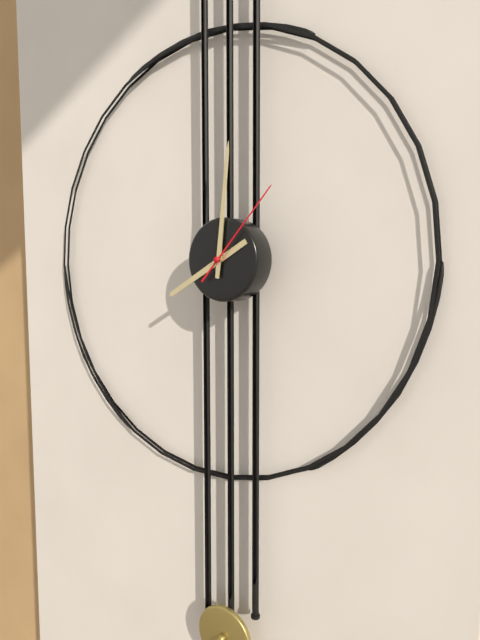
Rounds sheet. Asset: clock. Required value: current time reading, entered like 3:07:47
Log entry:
8:01:07
